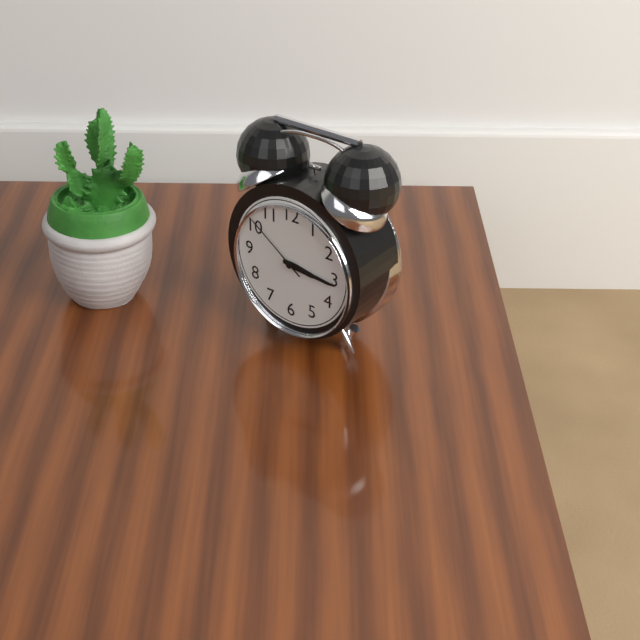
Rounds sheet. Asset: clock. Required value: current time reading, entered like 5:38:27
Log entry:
3:16:51
